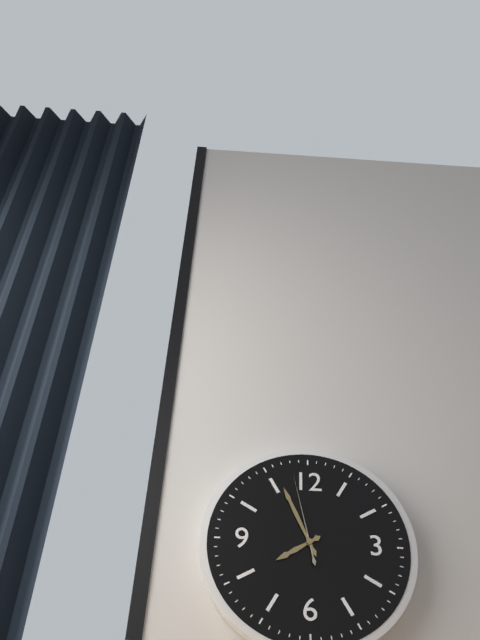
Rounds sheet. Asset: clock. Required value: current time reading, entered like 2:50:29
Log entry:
7:56:58
